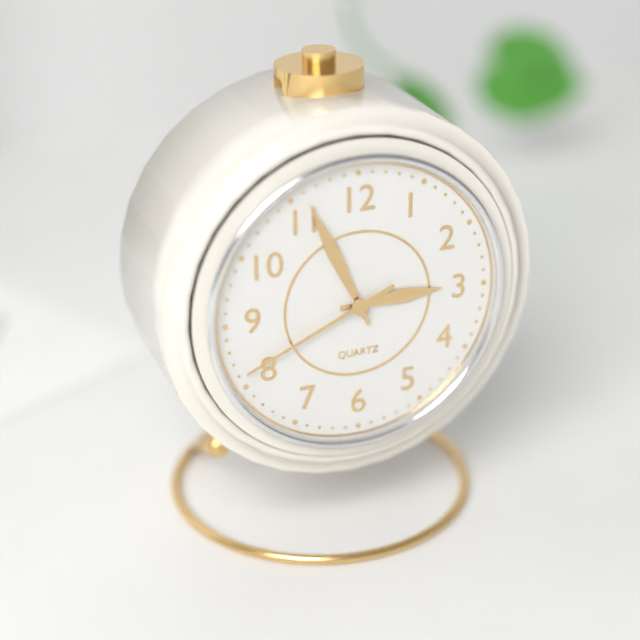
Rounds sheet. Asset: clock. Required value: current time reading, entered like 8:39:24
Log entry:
2:56:41
